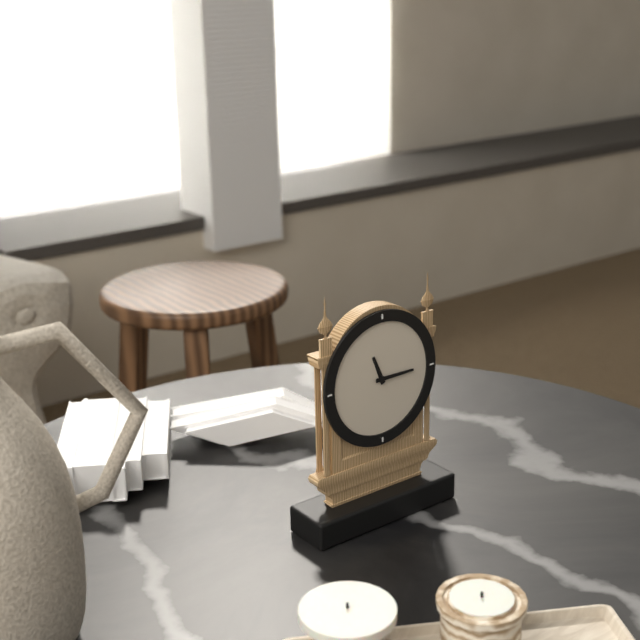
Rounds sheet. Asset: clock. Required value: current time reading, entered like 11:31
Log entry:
11:15
